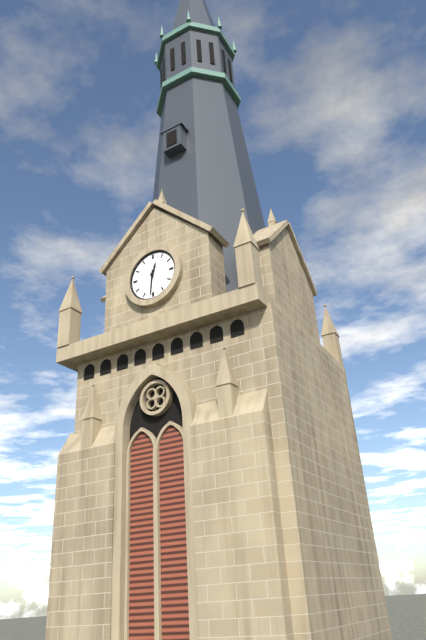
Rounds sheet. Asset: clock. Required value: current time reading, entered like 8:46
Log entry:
12:31
